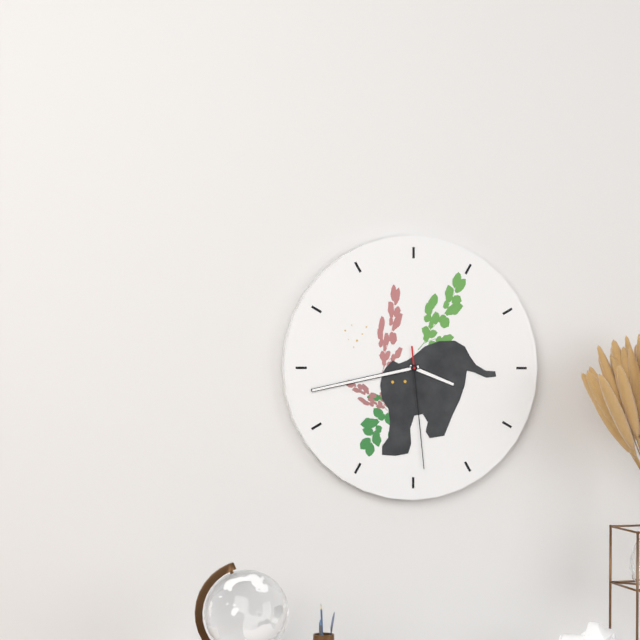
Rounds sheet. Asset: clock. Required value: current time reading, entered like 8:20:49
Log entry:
3:43:29
